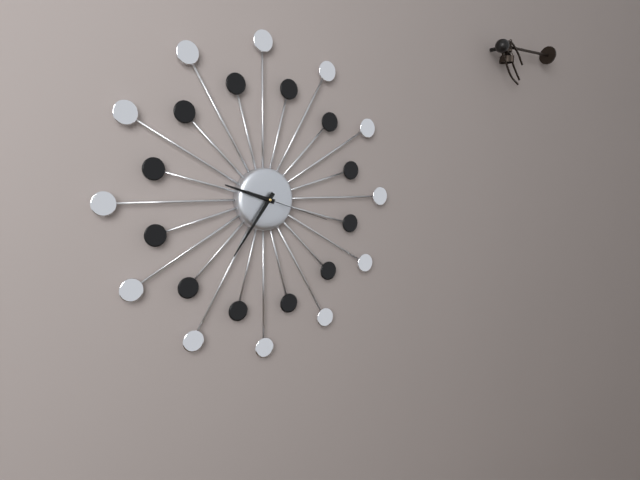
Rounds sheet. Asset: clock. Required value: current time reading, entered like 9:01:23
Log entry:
9:36:18
